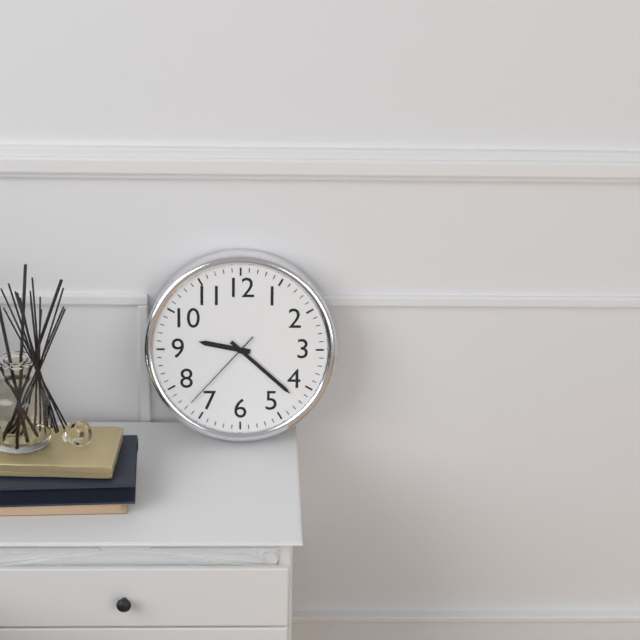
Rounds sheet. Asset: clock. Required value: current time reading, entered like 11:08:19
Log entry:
9:22:37
